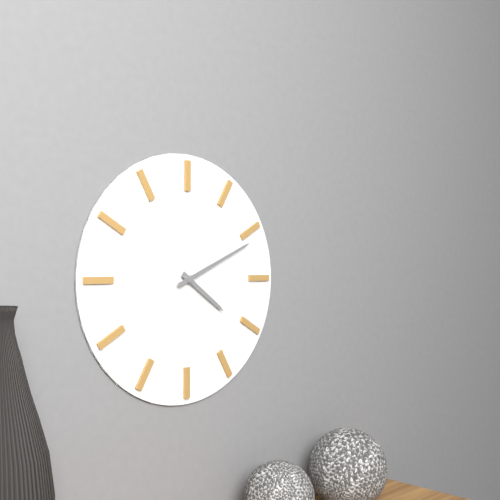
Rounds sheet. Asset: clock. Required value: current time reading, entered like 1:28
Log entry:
4:11
